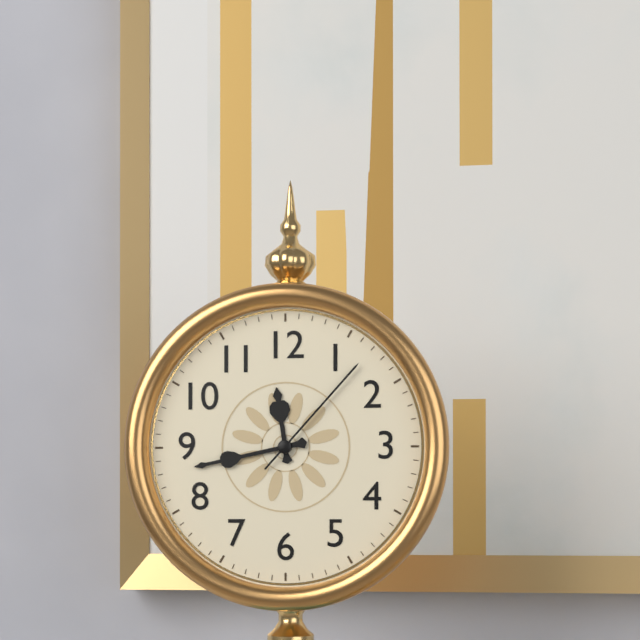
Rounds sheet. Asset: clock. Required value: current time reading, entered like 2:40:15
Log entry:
11:43:07
